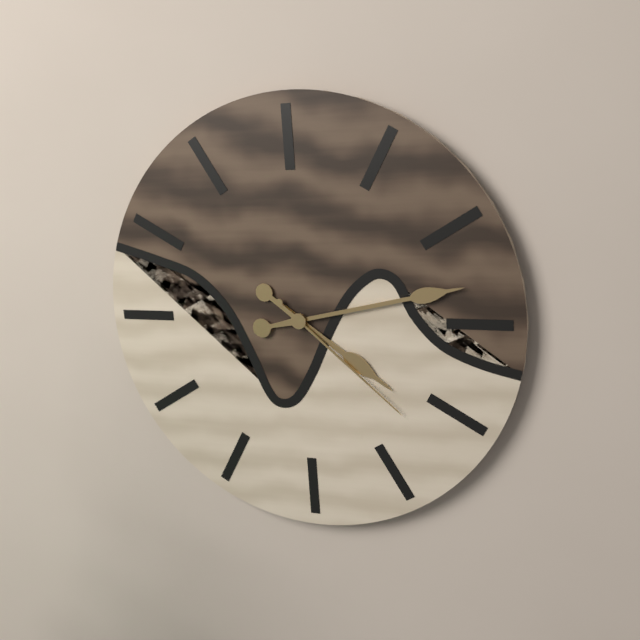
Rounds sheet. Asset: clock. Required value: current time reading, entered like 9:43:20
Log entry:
4:13:22
